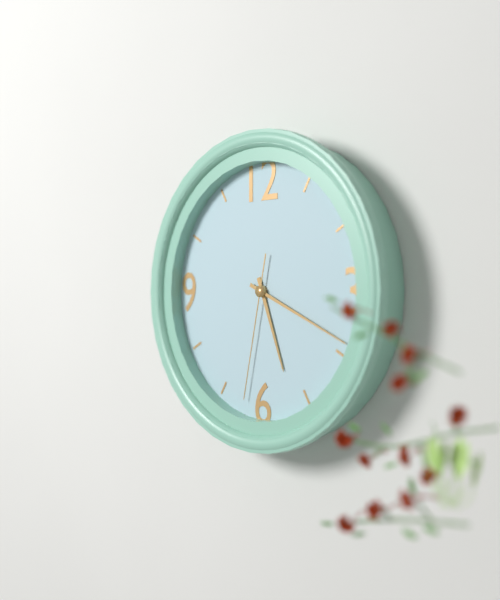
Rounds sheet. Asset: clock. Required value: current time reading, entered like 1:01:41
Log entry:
5:19:32
